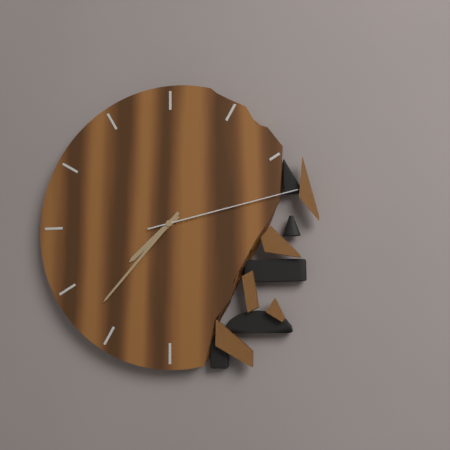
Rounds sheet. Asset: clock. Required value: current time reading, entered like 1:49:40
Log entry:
7:37:13
